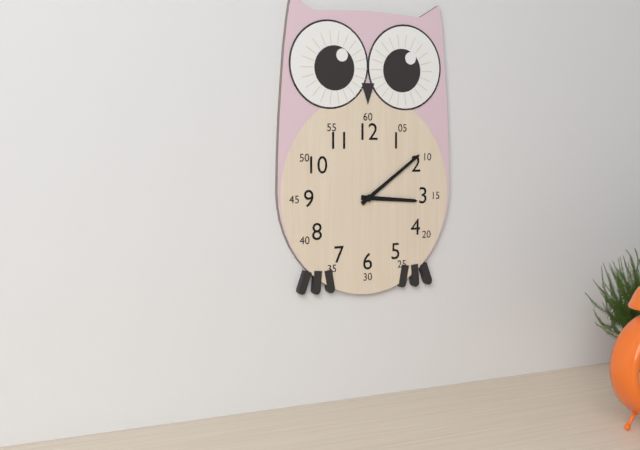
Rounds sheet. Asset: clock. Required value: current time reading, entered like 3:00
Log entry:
3:09
